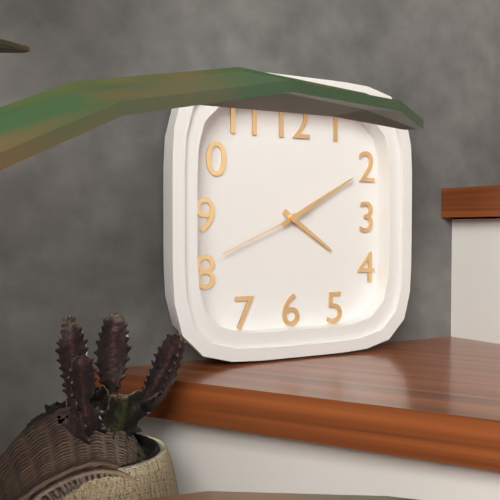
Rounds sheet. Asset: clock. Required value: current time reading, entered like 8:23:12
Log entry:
4:10:41
